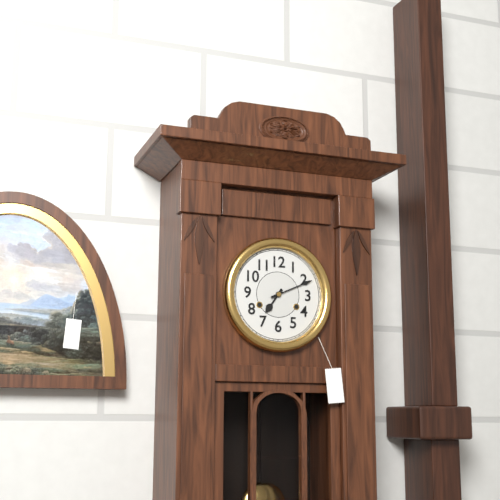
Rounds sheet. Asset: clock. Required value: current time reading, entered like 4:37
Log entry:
7:11
